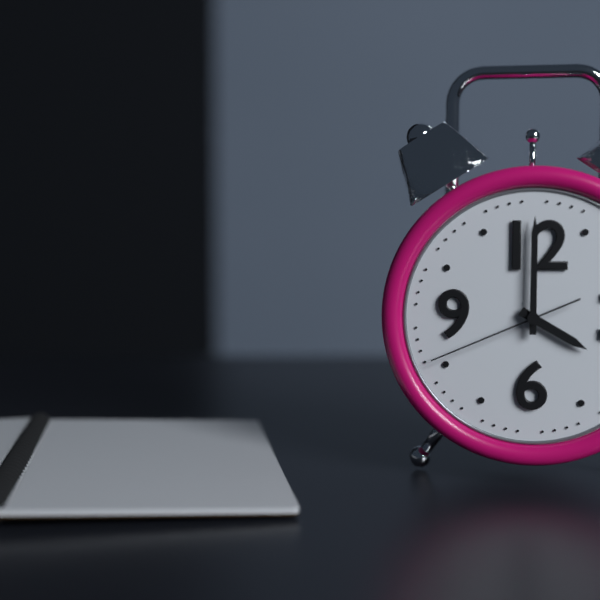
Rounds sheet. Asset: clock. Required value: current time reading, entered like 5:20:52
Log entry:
4:00:41
